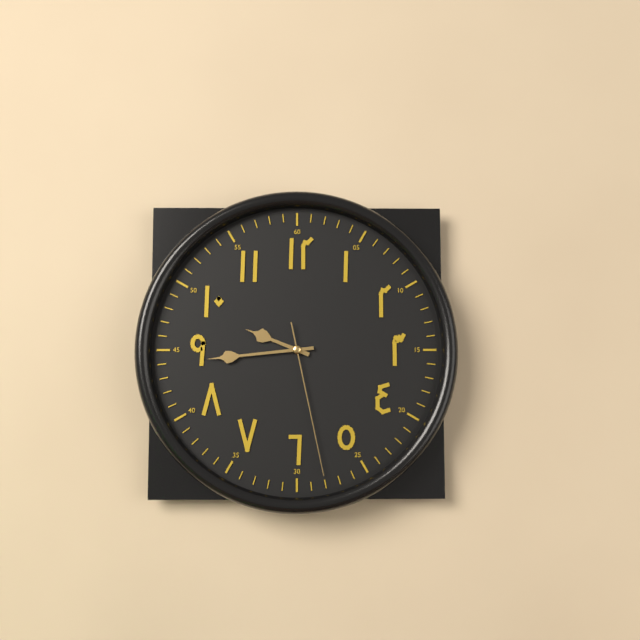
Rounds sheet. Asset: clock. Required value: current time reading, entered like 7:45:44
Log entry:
9:44:28
